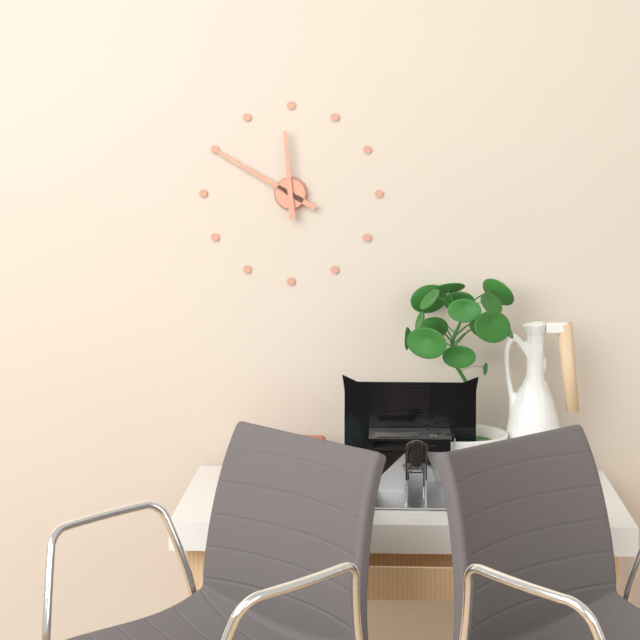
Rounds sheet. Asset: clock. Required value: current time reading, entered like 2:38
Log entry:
11:50
